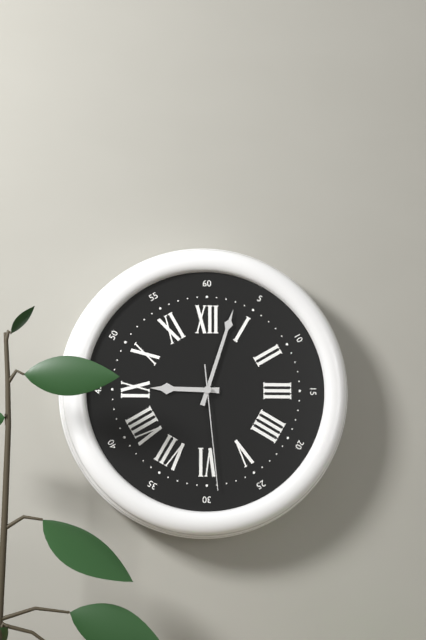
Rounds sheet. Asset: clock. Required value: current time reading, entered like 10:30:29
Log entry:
9:03:29
